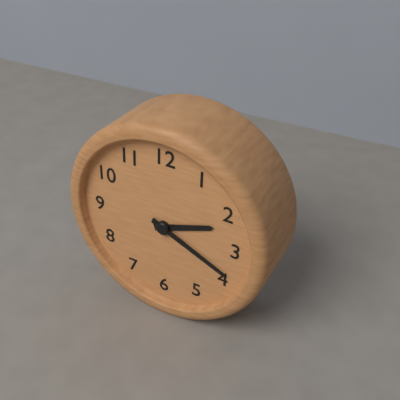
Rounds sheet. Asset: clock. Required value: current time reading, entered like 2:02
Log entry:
2:19
